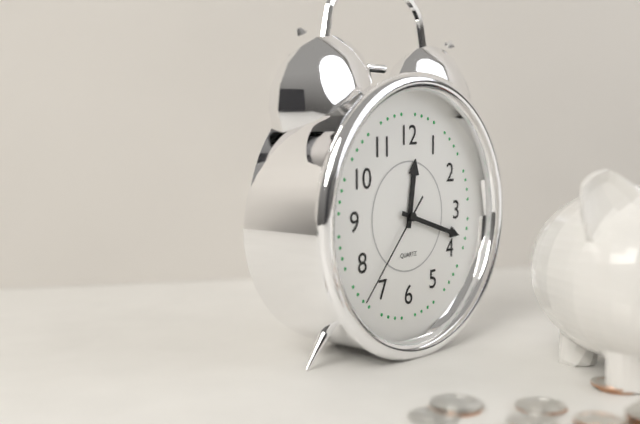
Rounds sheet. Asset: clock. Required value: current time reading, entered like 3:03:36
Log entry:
12:18:37
